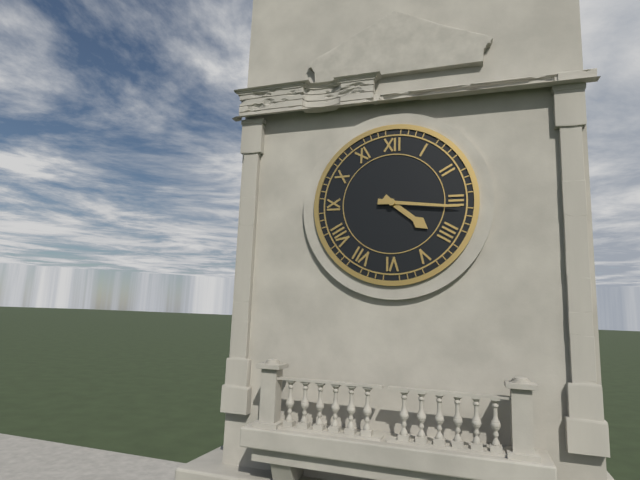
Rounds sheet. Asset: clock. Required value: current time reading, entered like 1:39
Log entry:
4:16
